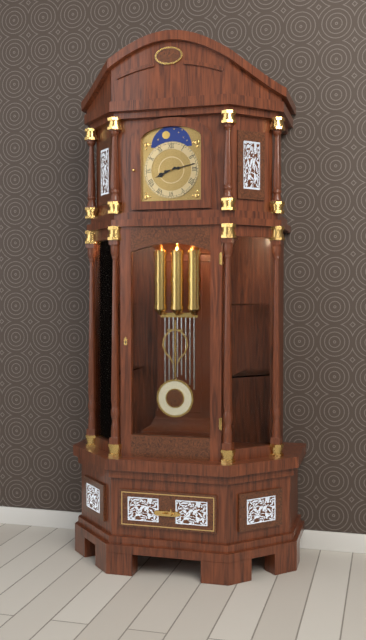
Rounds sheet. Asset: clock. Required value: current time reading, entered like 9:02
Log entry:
8:13
